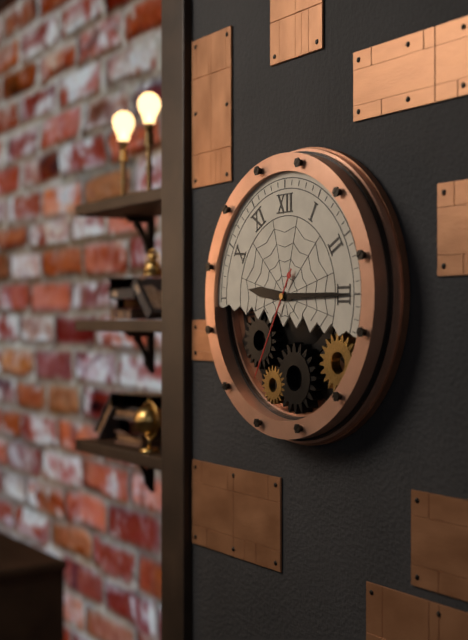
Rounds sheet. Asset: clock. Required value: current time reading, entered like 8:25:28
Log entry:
9:15:35
